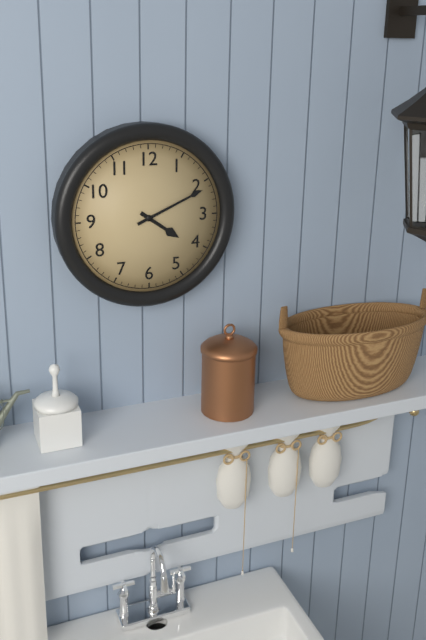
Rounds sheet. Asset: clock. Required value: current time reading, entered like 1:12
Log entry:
4:11
